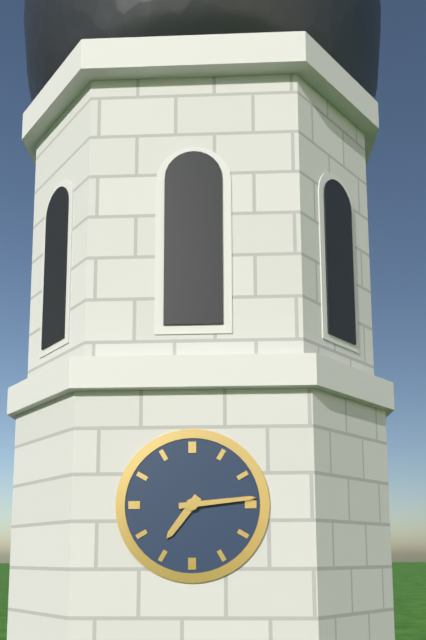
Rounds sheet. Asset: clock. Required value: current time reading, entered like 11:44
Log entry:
7:14
